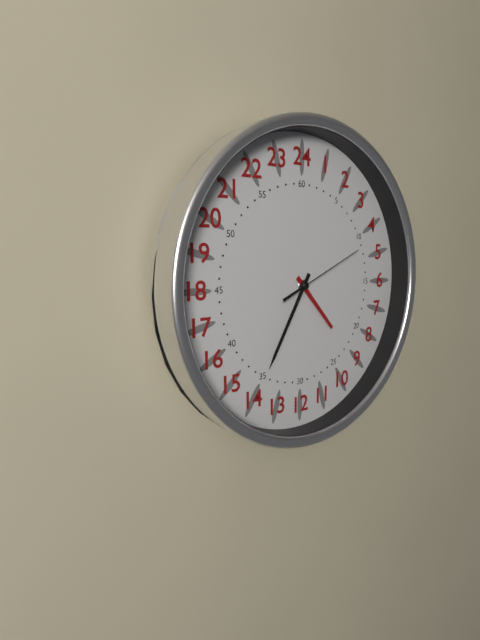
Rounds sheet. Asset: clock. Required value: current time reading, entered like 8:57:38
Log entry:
4:35:11
